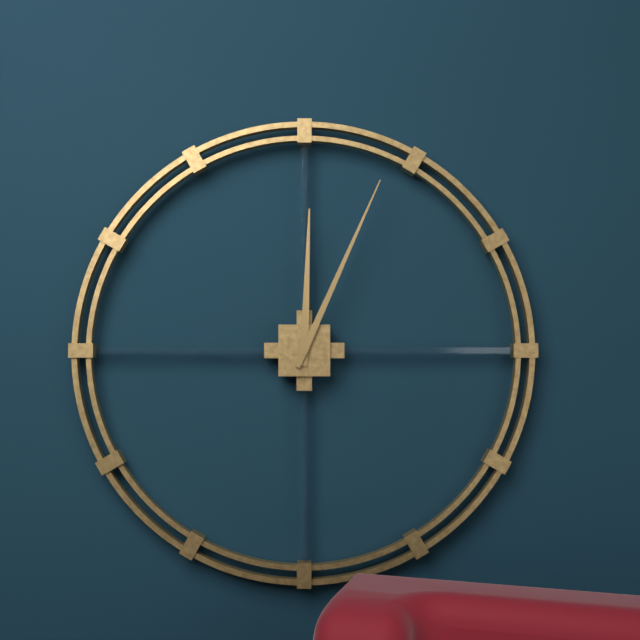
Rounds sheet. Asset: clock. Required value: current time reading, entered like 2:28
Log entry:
12:04
